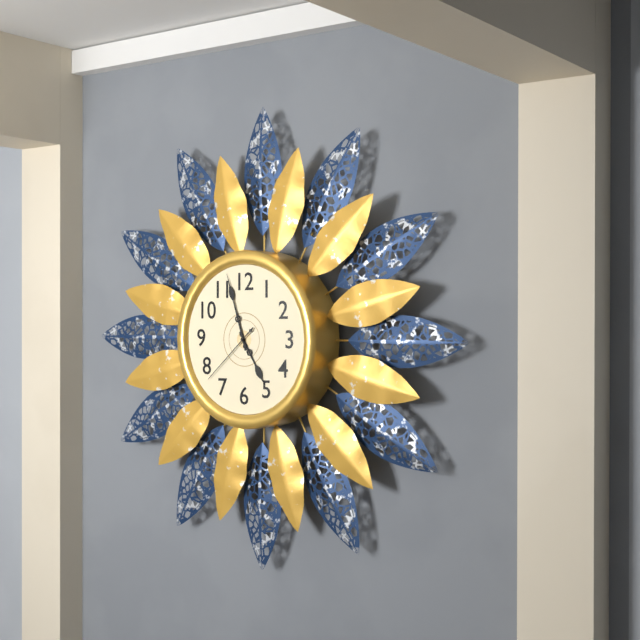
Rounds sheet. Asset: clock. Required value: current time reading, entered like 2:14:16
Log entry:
4:57:38
